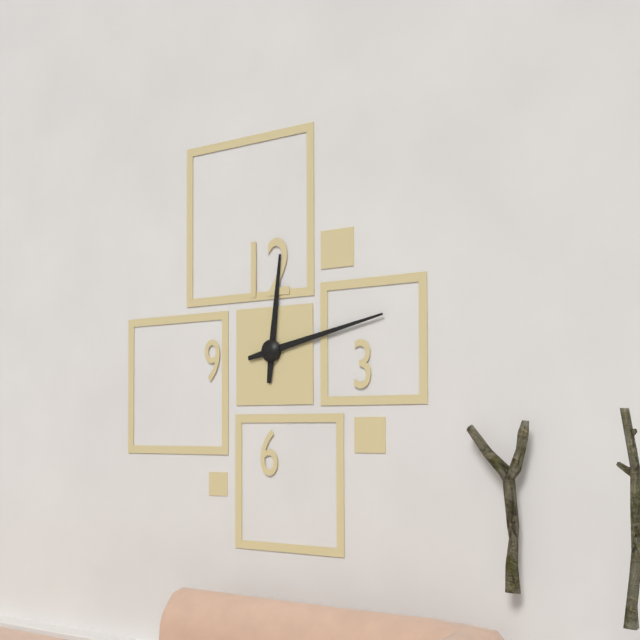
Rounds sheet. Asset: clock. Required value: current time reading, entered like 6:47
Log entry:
12:13
